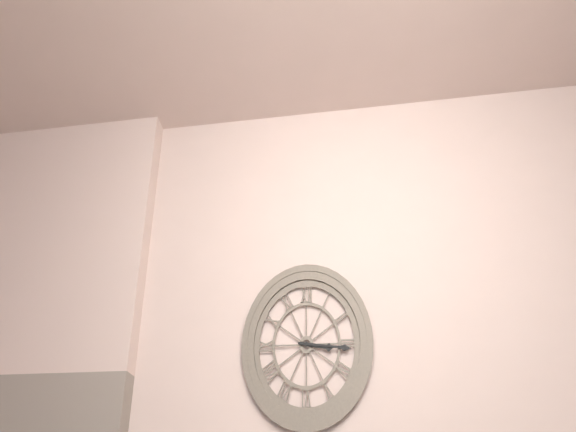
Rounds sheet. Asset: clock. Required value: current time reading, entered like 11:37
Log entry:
3:16
